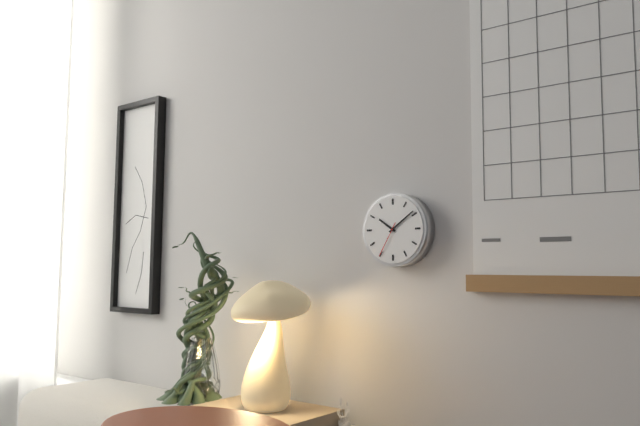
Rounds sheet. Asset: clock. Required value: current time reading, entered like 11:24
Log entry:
10:09
